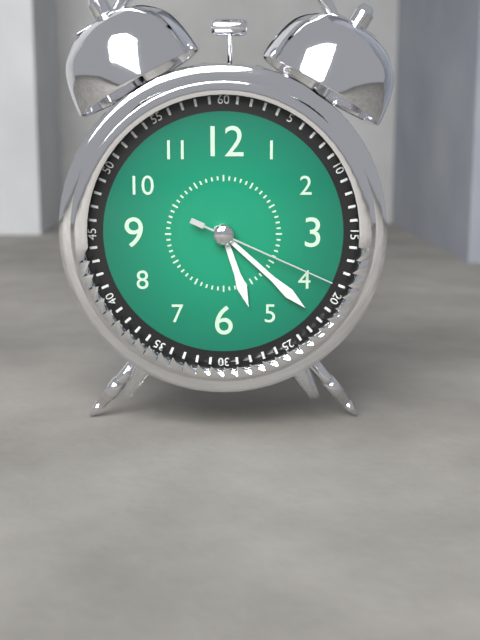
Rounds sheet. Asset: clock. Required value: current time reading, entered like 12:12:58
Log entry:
5:22:19
